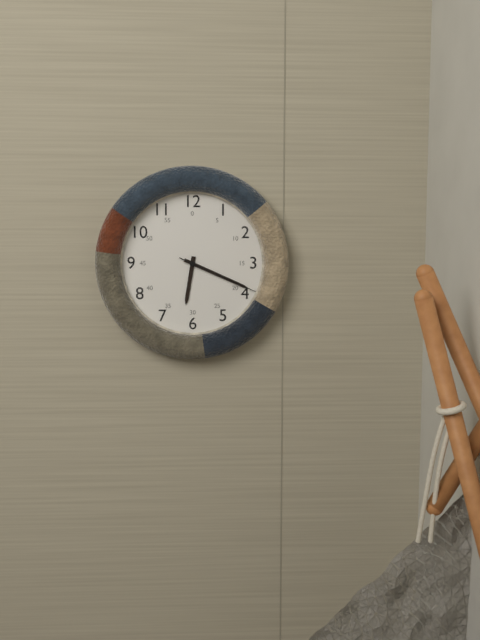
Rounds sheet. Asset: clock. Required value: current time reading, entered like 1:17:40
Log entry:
6:19:19
